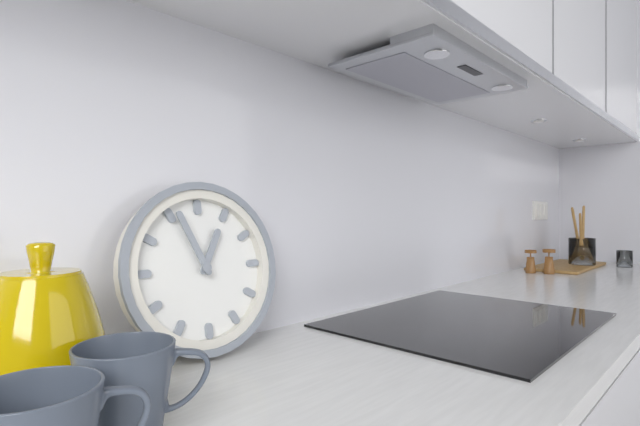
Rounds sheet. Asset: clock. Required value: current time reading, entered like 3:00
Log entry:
12:56
